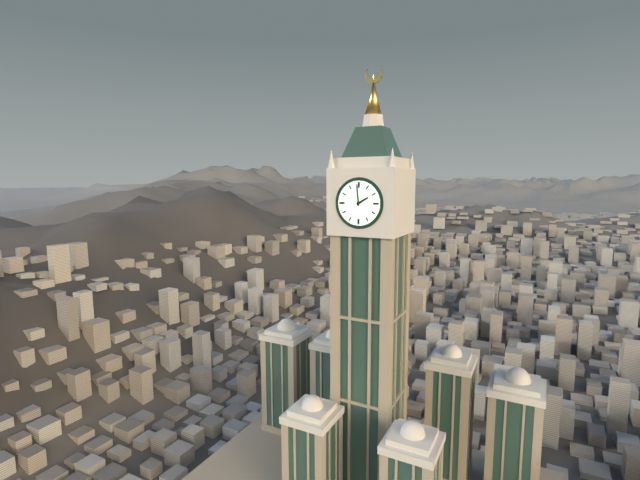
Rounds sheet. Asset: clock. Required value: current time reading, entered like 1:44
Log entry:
1:59
